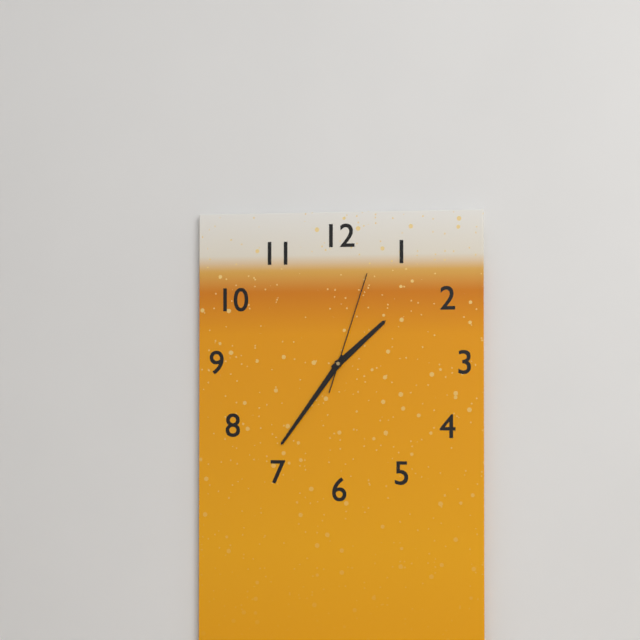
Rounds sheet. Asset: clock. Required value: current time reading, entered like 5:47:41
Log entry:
1:36:03
